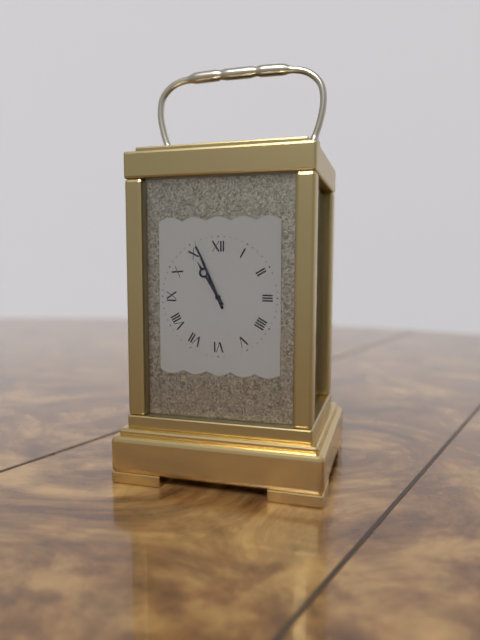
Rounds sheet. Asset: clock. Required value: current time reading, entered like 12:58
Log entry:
10:56
